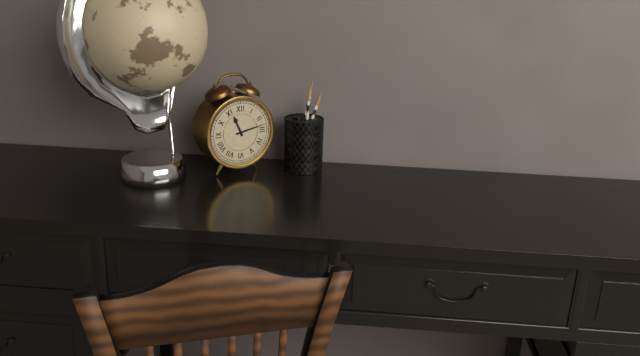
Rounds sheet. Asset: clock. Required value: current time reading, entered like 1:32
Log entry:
11:13
